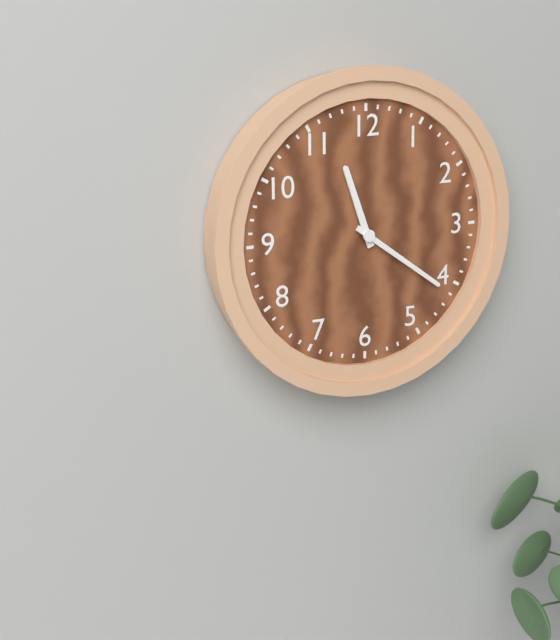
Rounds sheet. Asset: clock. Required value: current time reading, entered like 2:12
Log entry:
11:21
